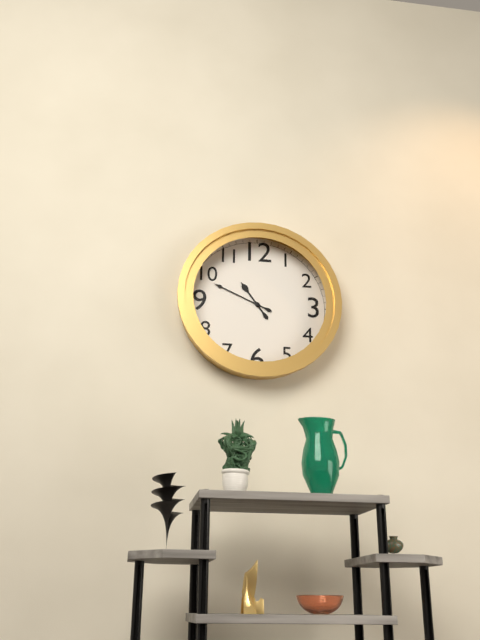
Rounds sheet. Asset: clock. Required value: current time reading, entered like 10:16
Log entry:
10:49
